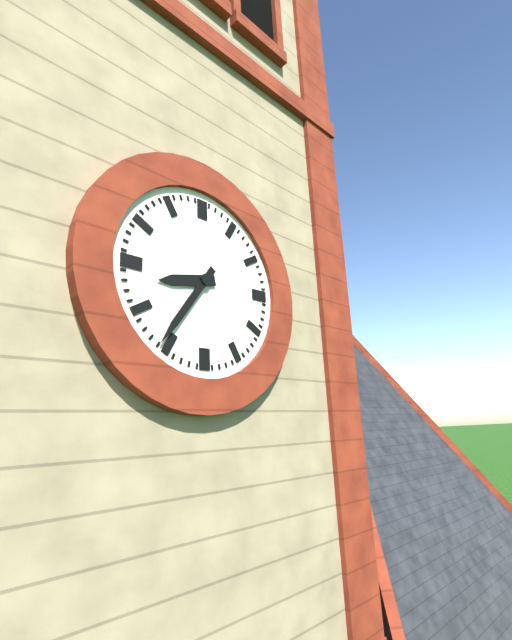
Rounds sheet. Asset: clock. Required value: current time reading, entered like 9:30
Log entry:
8:36
